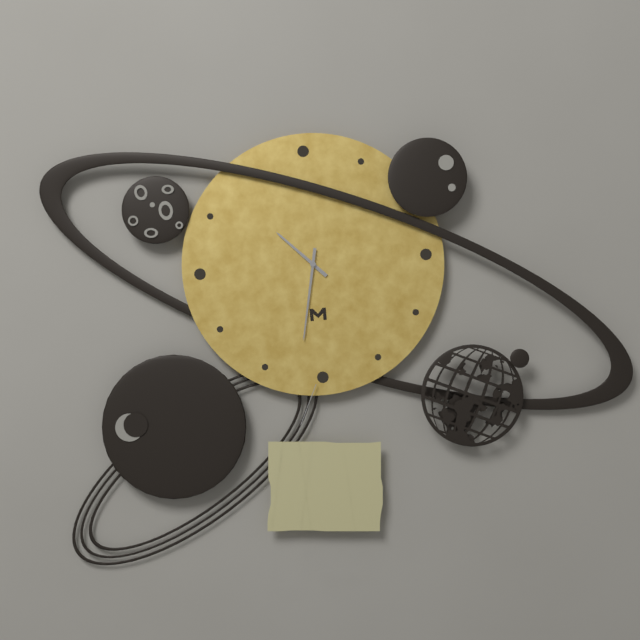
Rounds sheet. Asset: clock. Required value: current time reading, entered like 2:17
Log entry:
10:32
